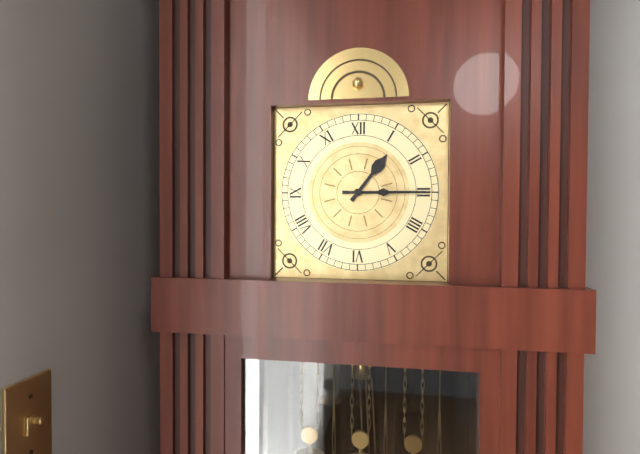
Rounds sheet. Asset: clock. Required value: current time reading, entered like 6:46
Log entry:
1:15
